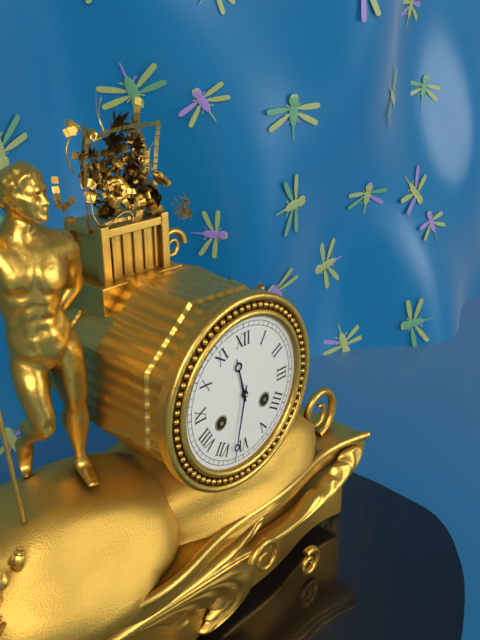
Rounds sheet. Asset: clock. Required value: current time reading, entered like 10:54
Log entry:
11:32
